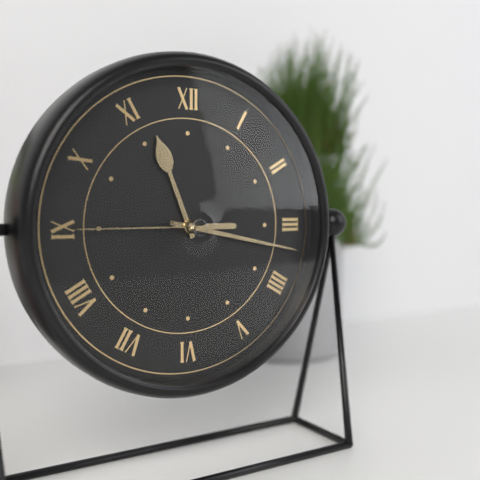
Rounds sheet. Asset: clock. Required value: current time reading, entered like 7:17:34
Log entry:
11:17:45
